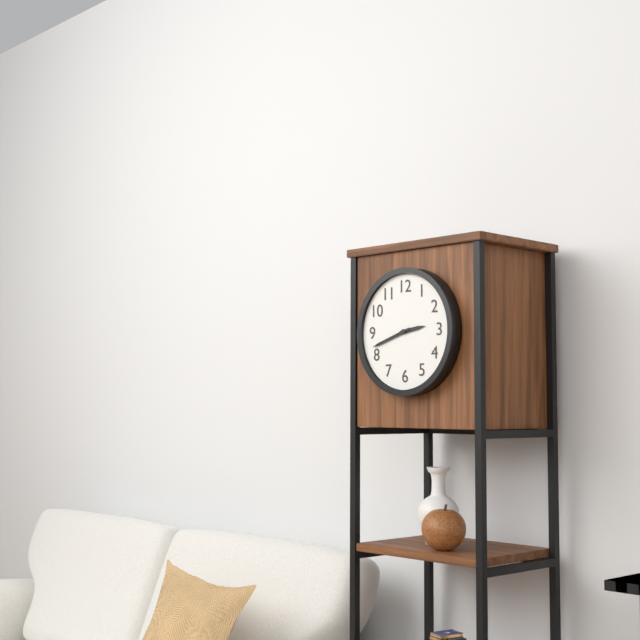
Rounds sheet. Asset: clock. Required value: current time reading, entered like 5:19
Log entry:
2:42
